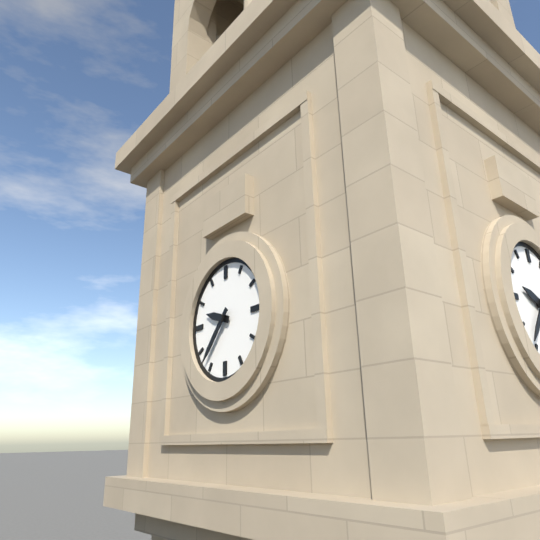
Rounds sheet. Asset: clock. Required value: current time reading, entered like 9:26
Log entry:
9:37
